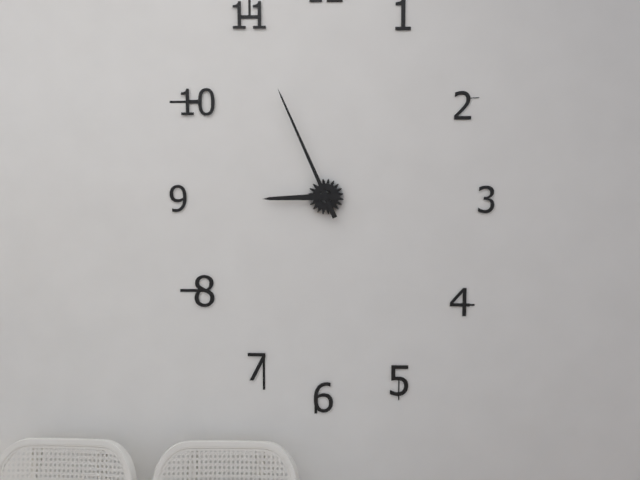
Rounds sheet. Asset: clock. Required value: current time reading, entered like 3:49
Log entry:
8:56
